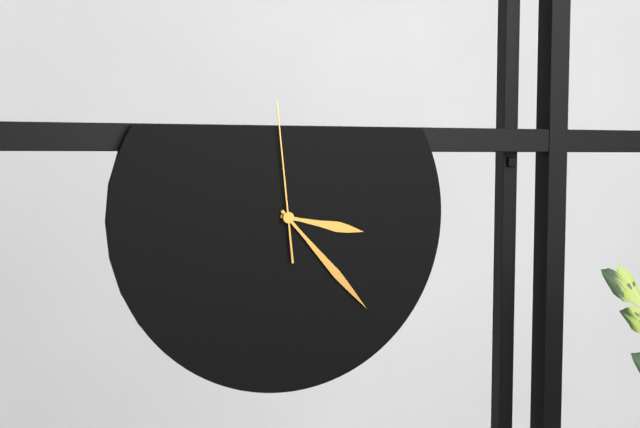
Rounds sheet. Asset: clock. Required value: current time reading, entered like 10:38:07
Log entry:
3:23:59
